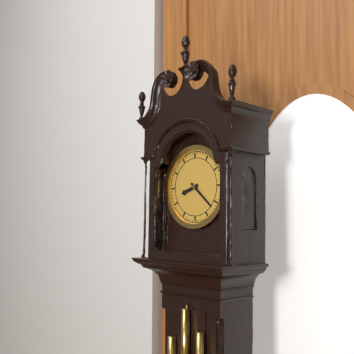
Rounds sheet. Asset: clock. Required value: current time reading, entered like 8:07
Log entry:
8:22
